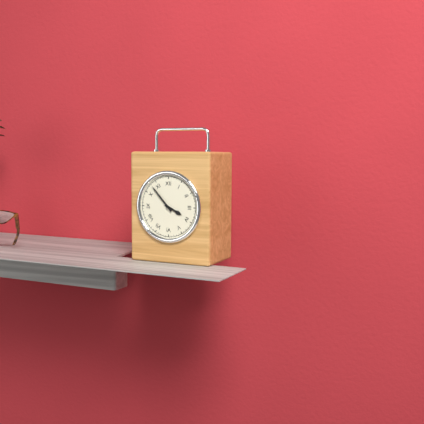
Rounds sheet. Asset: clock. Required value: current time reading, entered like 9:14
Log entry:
3:53
